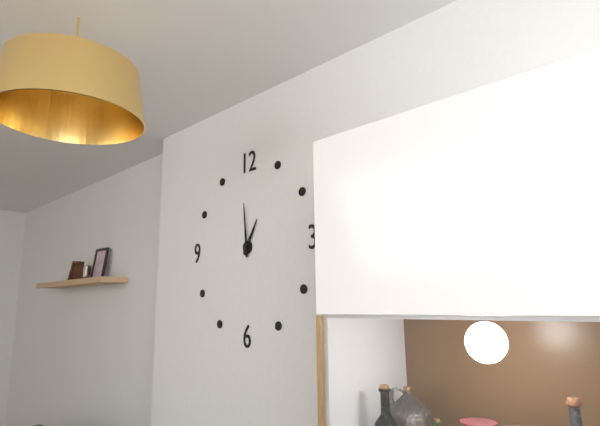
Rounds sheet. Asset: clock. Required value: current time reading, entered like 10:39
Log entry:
12:59
